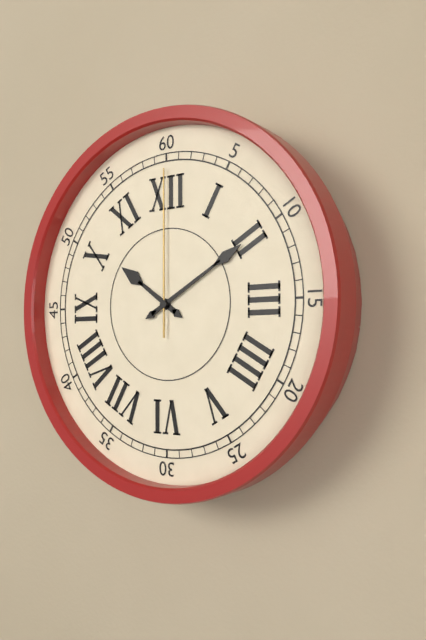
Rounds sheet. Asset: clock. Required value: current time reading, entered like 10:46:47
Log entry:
10:10:00
